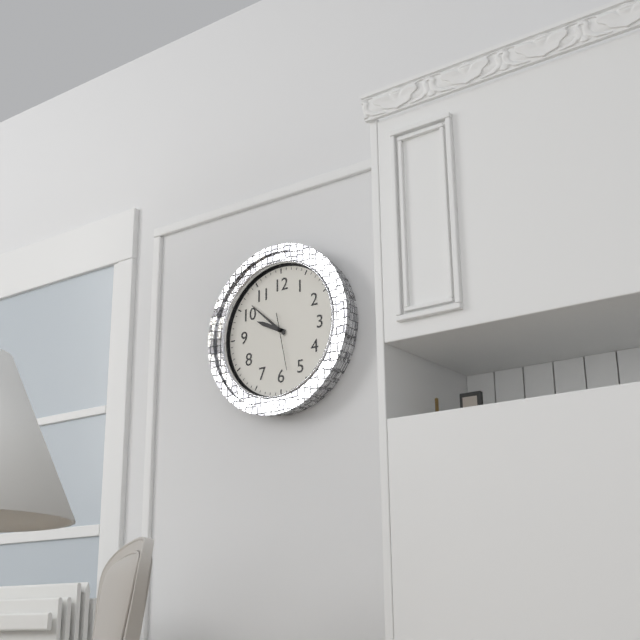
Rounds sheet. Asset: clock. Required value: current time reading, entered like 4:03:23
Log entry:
9:52:28
